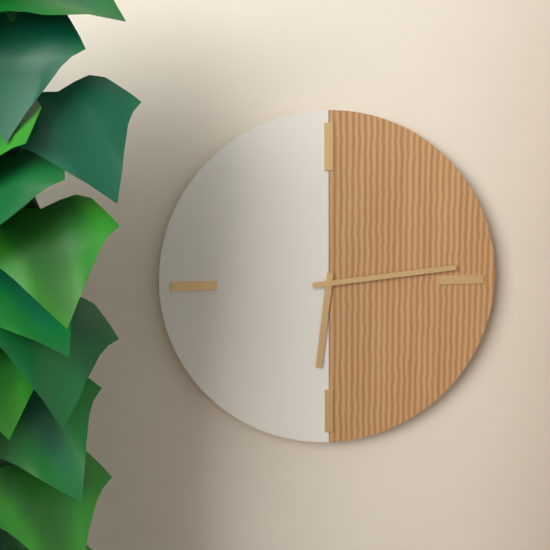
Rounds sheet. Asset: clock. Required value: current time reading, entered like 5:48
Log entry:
6:14
